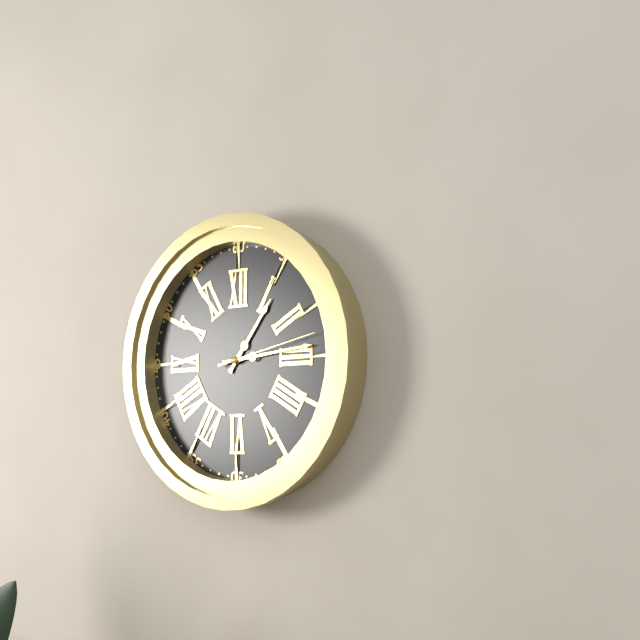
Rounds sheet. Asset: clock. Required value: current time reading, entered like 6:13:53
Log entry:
1:14:13
